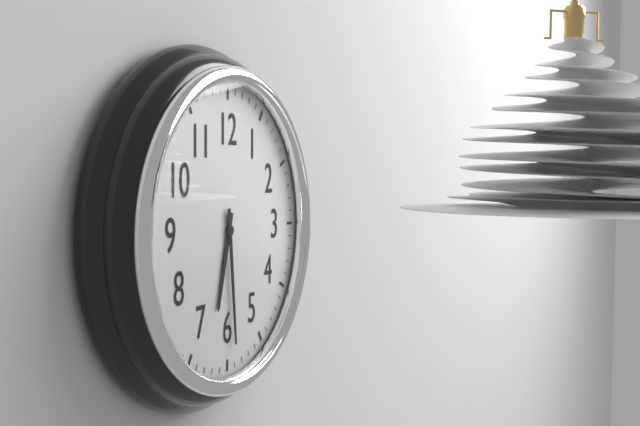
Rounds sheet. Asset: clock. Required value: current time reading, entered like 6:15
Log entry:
6:29
